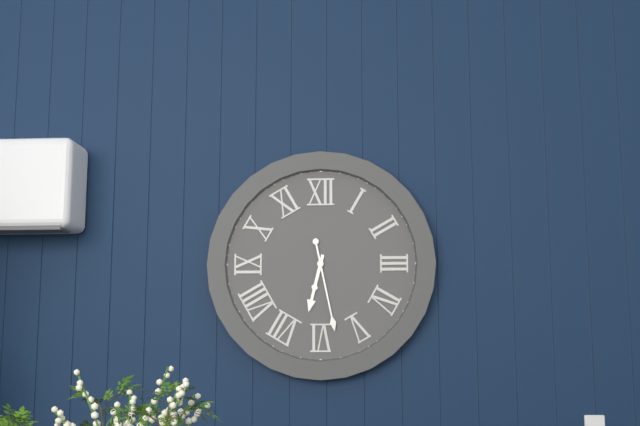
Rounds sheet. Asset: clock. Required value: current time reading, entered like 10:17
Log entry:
6:28
